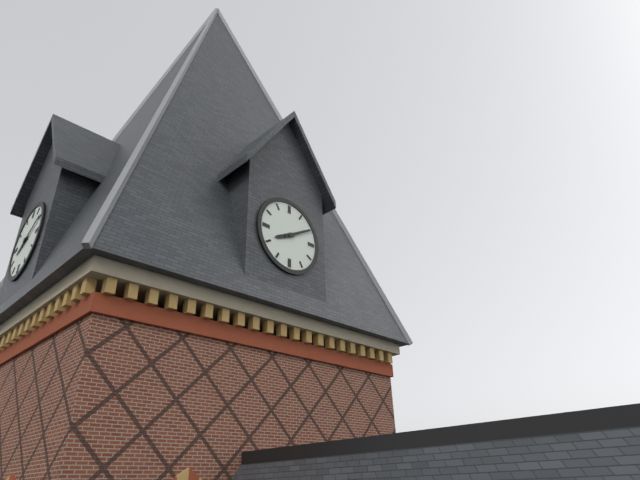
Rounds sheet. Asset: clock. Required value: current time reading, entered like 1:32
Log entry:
8:10
